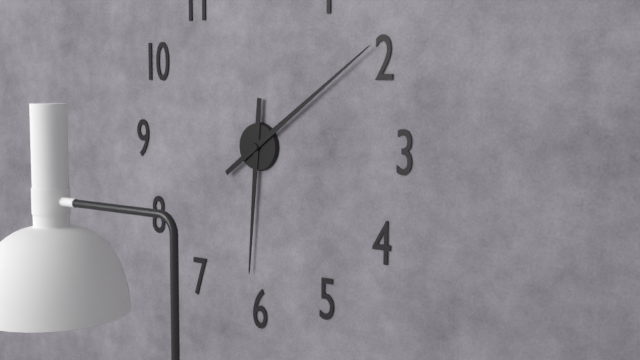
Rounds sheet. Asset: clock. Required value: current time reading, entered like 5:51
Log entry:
6:09
